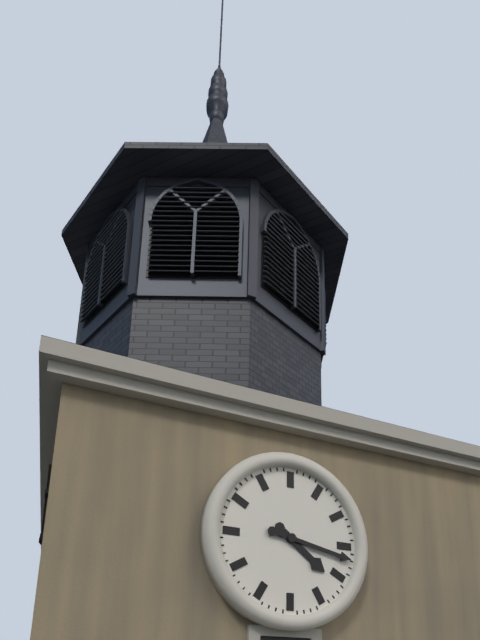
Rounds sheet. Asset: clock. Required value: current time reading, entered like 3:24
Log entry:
4:17
